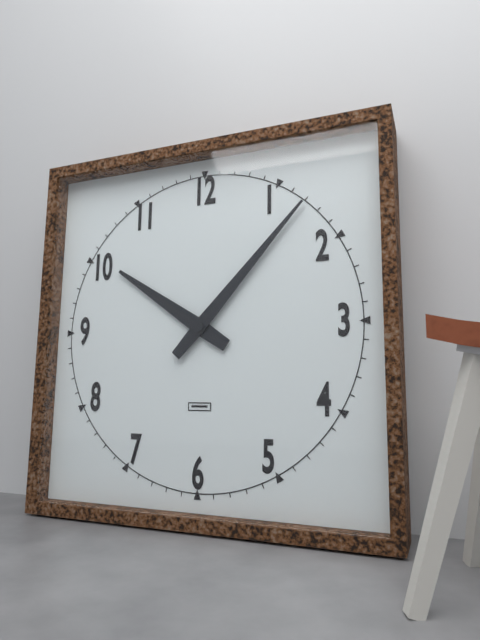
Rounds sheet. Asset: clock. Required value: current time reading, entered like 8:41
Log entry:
10:07
